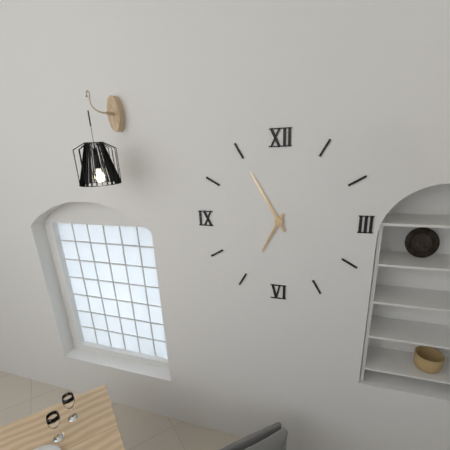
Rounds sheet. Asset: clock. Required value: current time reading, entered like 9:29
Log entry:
6:55
